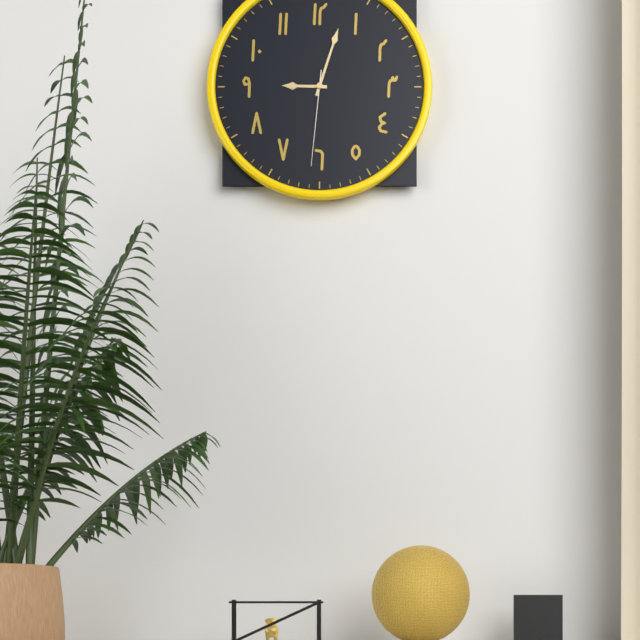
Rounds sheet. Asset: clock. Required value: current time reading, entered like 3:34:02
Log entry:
9:03:31
